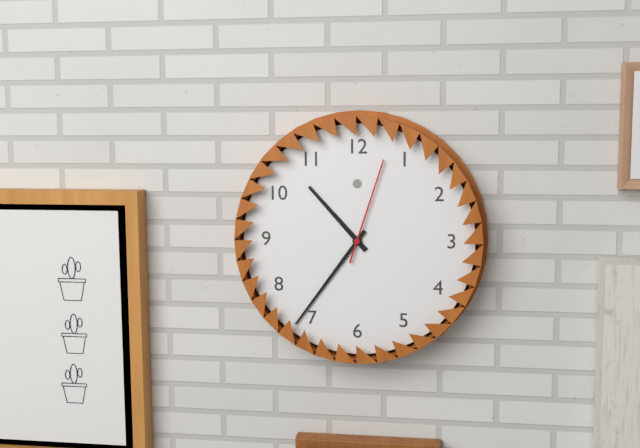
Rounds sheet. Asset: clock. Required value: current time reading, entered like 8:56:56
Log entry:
10:36:03
